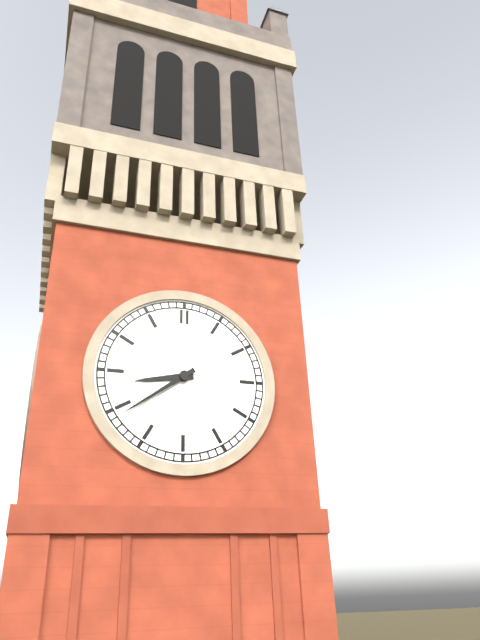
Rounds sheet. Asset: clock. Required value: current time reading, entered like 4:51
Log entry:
8:39
